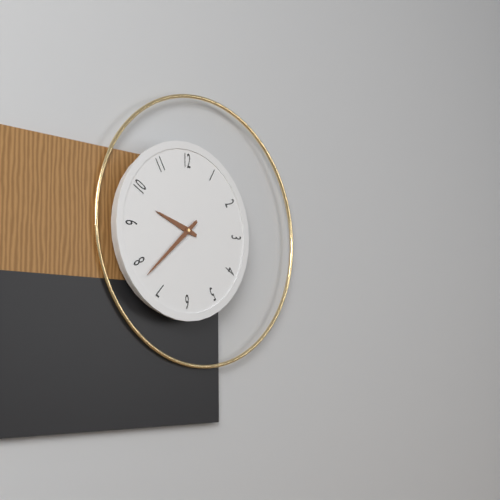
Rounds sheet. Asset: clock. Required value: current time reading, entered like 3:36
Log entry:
9:38
